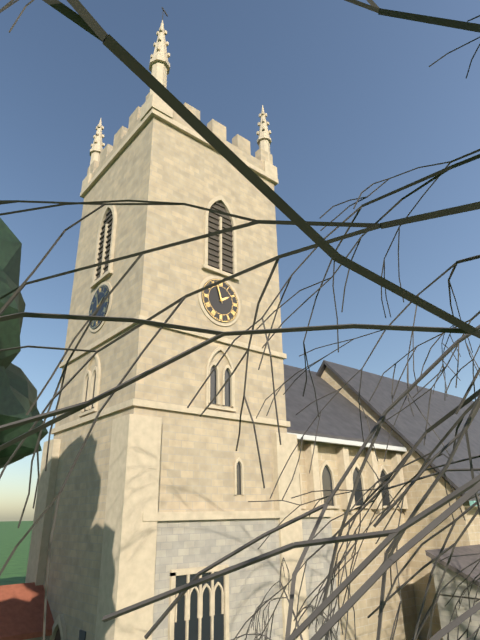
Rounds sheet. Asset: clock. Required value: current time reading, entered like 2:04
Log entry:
1:57
